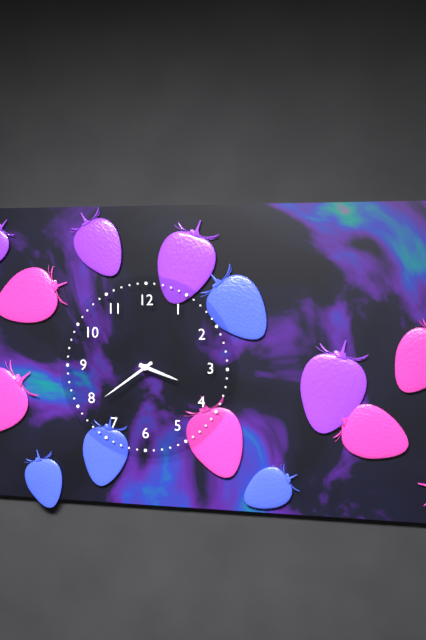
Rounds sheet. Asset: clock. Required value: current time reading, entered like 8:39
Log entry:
3:39
